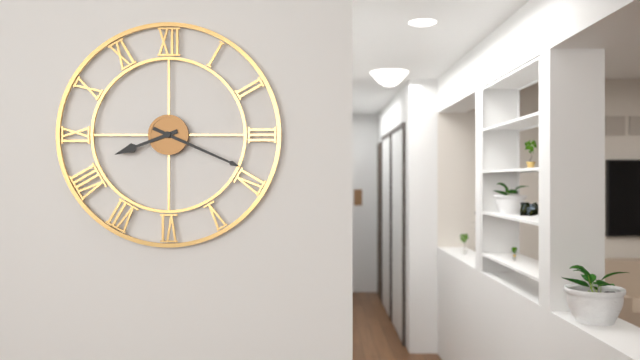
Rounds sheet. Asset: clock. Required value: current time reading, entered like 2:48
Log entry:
8:19
